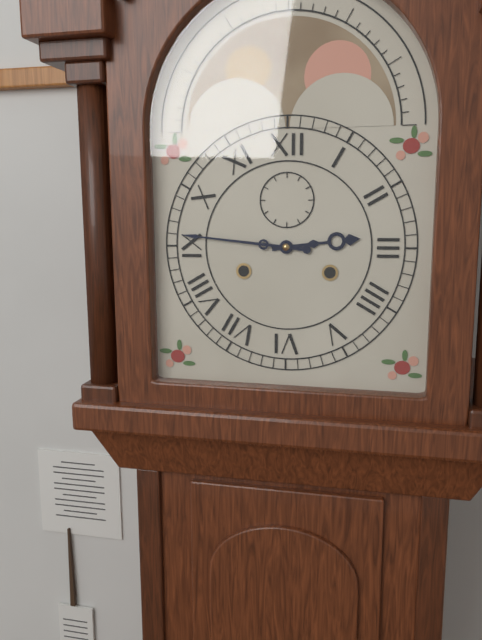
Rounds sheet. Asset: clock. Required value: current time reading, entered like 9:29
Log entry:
2:46
